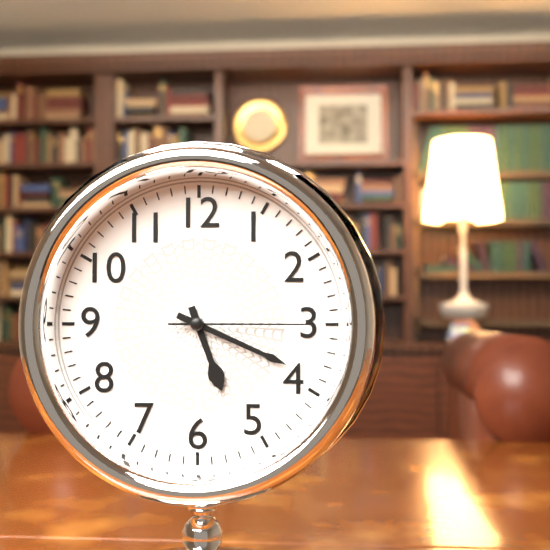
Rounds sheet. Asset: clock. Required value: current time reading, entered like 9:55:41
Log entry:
5:19:15
